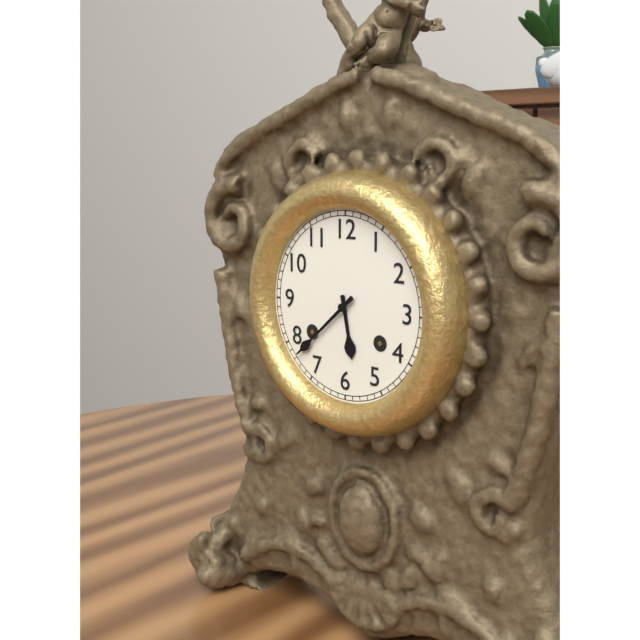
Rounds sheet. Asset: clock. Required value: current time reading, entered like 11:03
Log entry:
5:38
